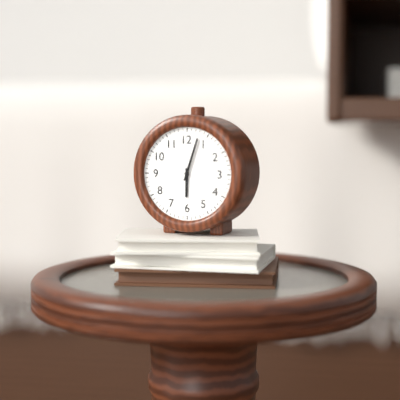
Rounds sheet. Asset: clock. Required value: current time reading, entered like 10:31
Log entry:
6:03
